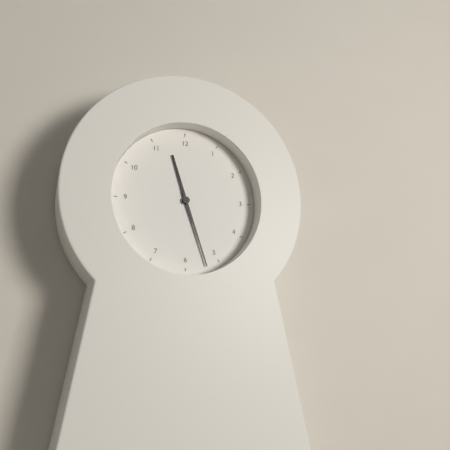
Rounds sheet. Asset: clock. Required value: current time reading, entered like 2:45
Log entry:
11:27
